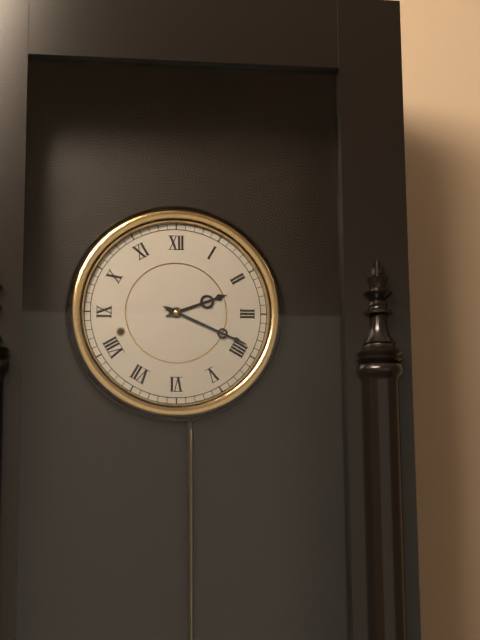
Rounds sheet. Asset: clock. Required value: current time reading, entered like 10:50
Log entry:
2:19
